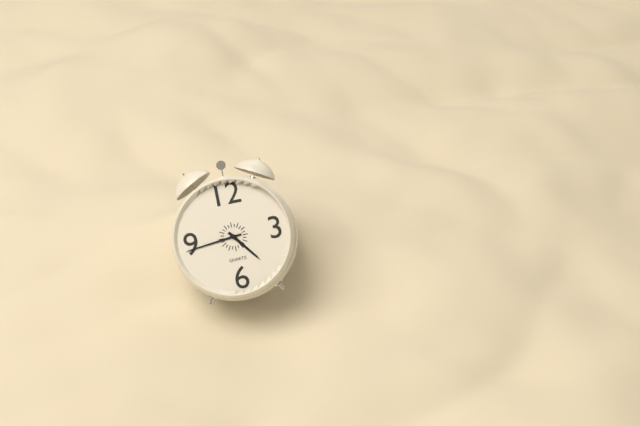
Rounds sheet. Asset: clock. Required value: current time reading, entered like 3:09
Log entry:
4:44
